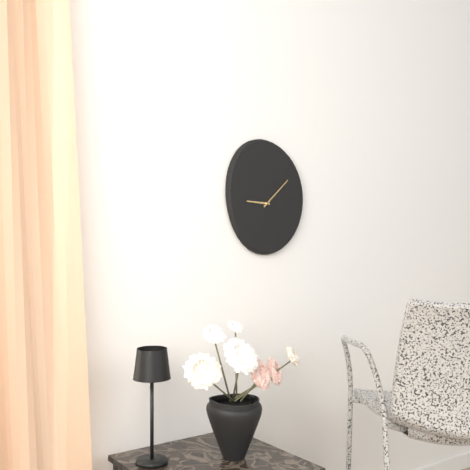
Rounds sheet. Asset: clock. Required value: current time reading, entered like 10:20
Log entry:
9:08
